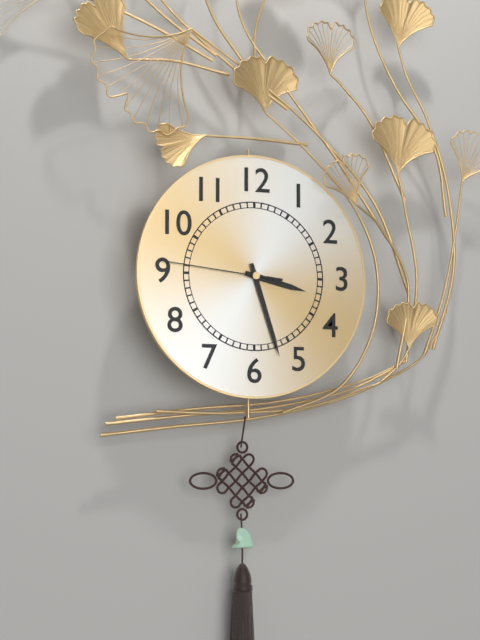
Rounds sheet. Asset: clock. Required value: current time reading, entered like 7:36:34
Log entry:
3:27:46
